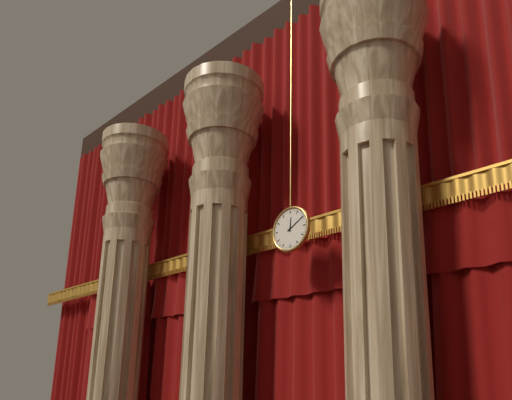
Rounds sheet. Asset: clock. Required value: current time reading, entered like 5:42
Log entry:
12:10
